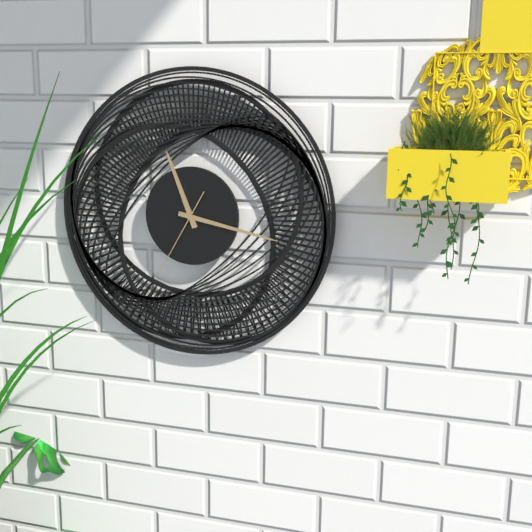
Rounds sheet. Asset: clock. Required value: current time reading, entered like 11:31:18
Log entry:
11:17:35
